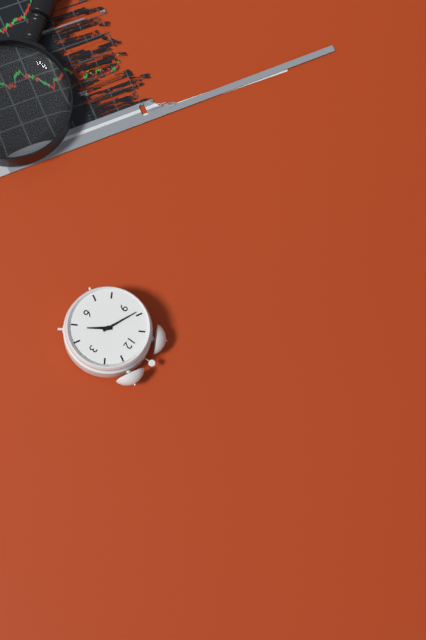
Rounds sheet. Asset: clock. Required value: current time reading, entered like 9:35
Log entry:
4:49
